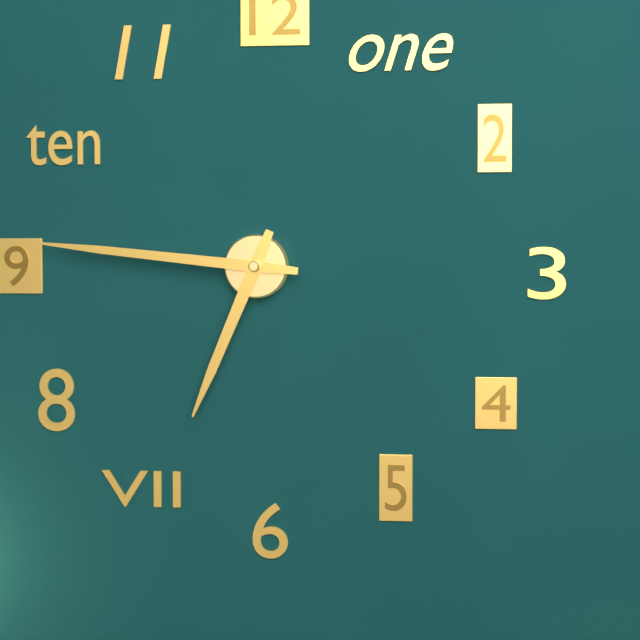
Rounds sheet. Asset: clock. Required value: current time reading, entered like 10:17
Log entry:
6:46
